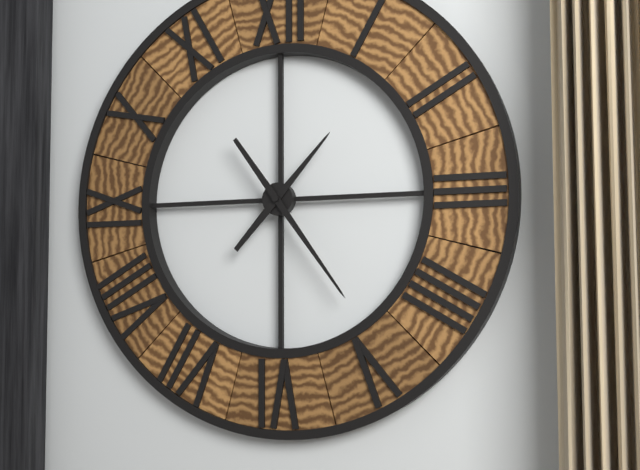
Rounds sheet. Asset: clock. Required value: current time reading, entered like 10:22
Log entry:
1:24
